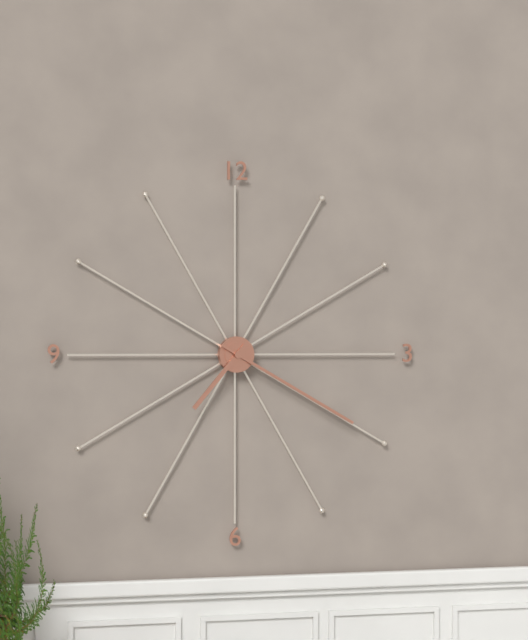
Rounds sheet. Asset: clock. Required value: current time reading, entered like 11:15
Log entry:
7:20
